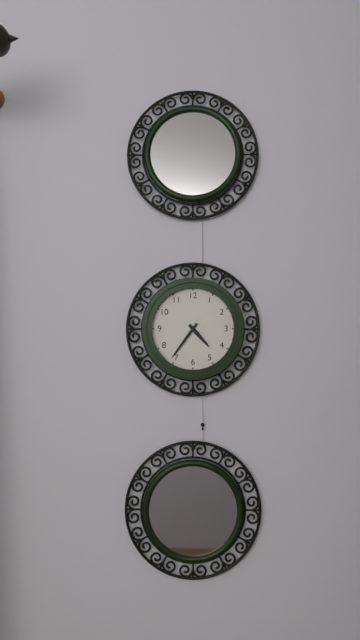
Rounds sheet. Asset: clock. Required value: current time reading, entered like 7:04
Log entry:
4:36
